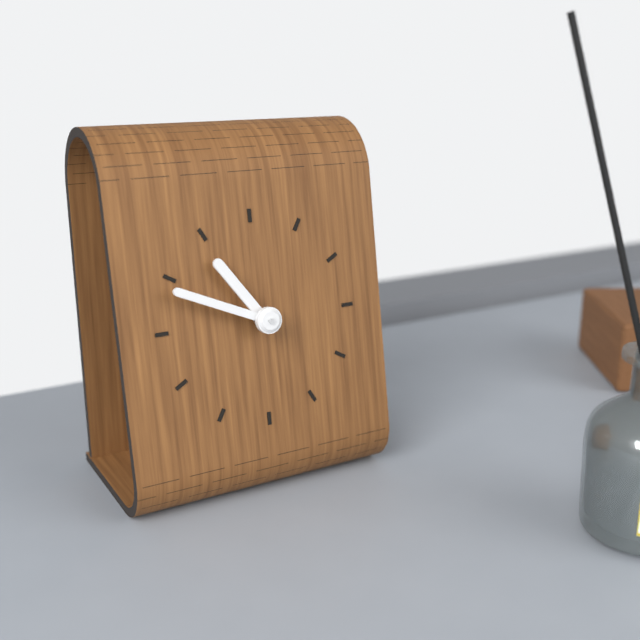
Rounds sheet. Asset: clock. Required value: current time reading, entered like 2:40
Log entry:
10:49
